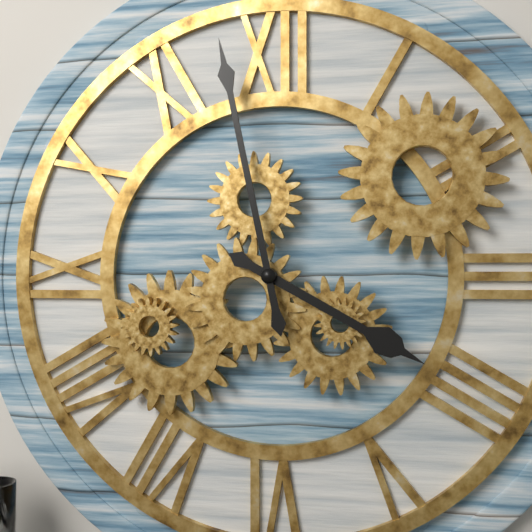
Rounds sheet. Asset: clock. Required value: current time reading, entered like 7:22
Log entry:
3:58
